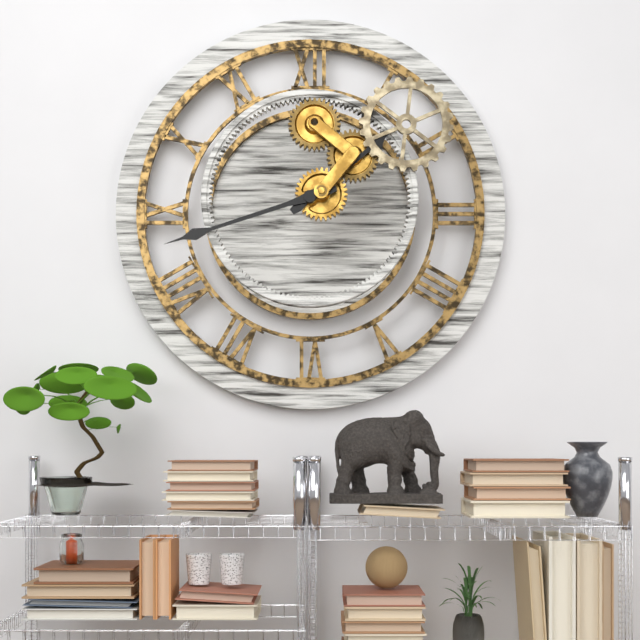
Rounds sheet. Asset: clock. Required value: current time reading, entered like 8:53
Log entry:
1:42
